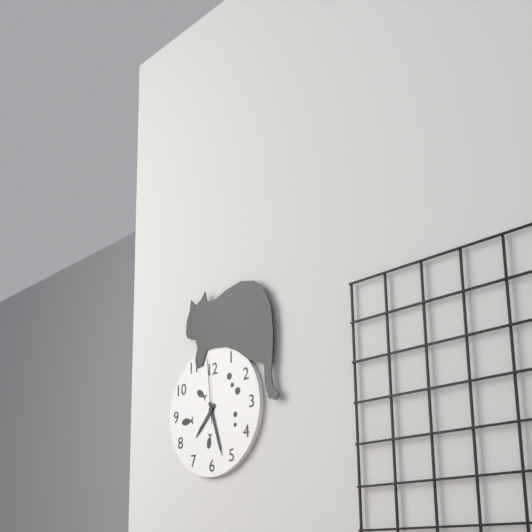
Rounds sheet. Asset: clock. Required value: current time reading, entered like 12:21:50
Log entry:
7:27:59
